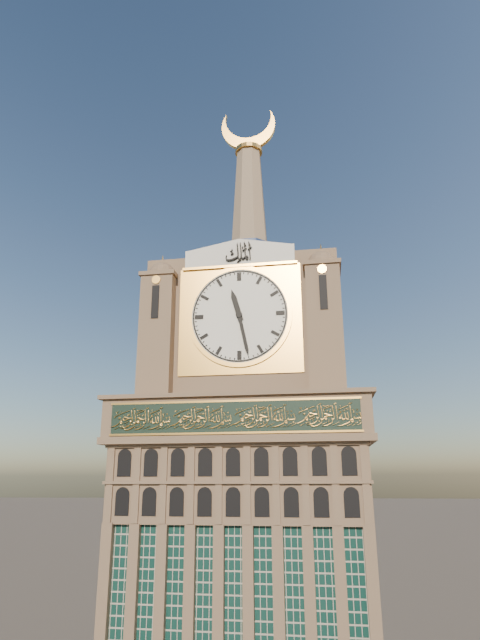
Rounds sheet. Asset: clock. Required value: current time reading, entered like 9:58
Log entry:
11:28
